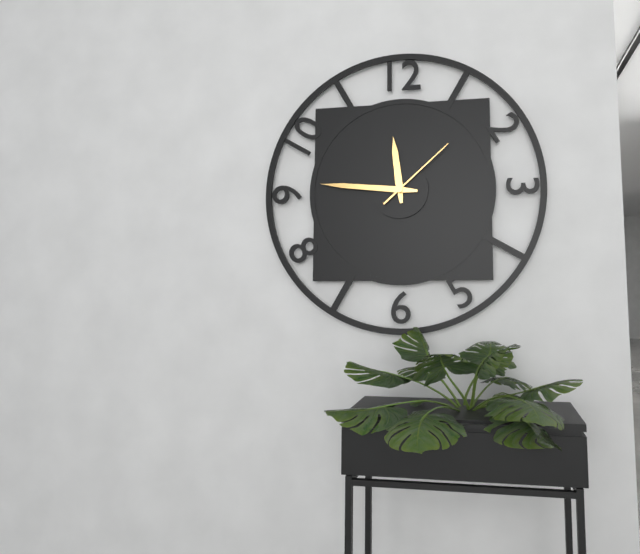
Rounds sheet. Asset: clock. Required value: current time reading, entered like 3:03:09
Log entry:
11:46:08
